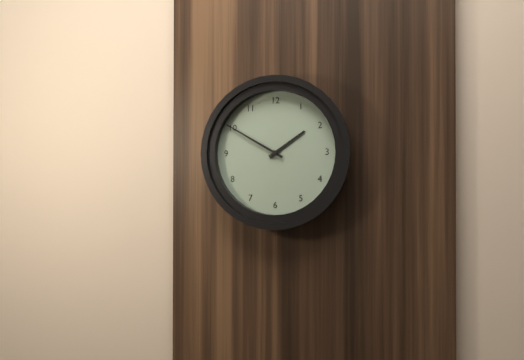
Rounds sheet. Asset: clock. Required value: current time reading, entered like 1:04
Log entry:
1:50
